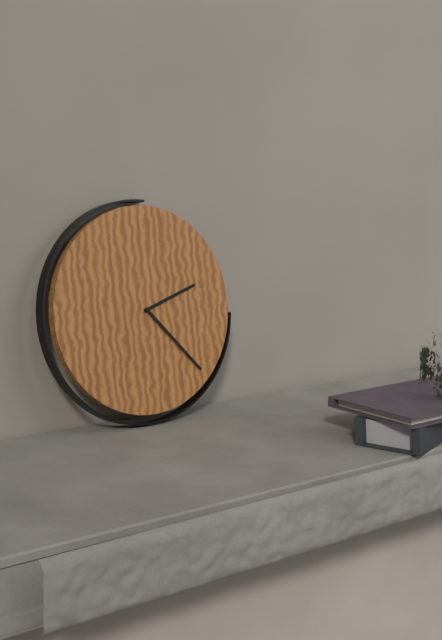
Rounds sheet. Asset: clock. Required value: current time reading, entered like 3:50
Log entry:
2:23
